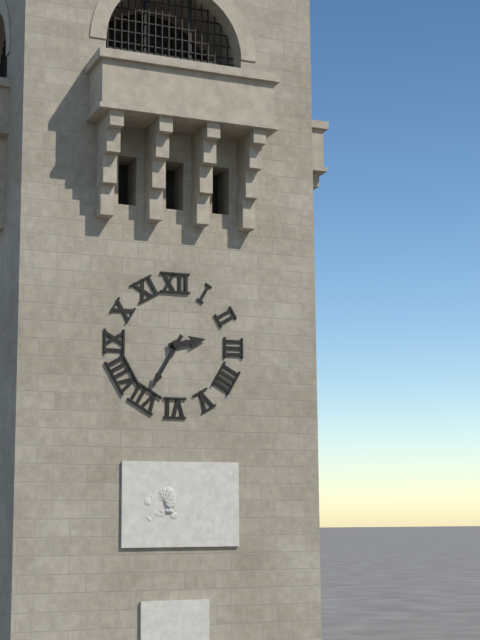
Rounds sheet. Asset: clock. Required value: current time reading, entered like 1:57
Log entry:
2:35
